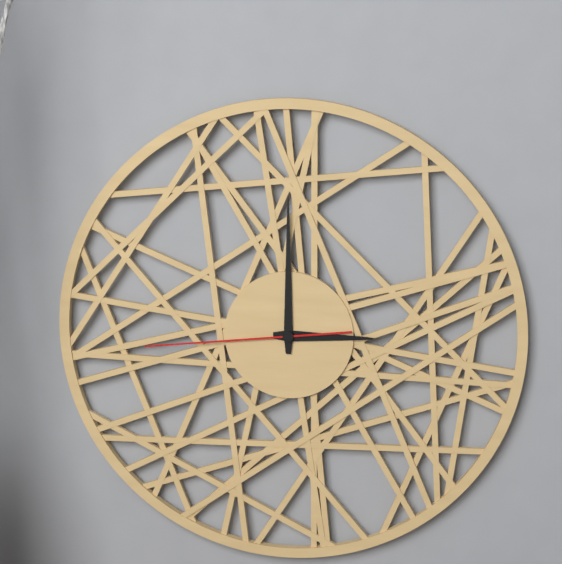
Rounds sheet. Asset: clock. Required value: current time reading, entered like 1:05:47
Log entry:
3:00:44
